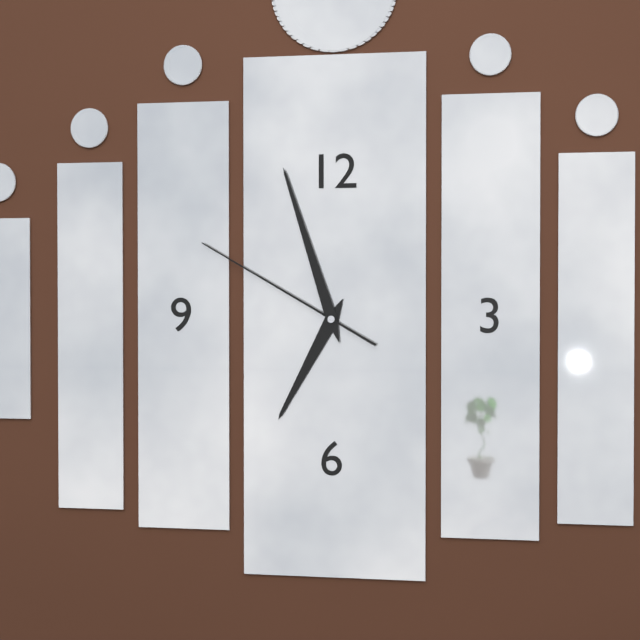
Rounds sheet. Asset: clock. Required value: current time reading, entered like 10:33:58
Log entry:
6:57:50
